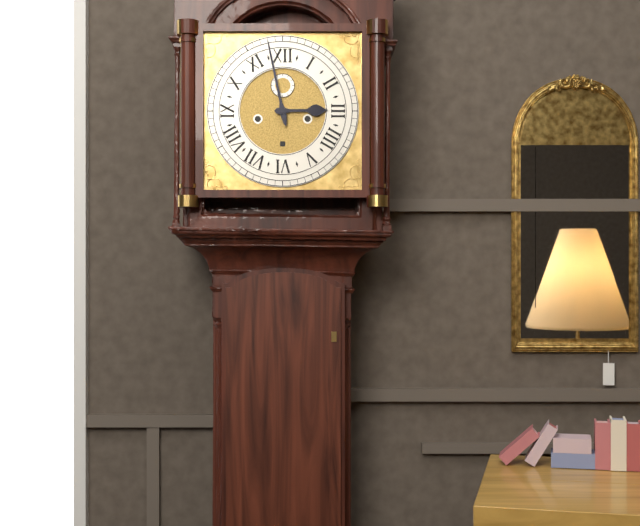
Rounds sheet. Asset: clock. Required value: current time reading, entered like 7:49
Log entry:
2:58
